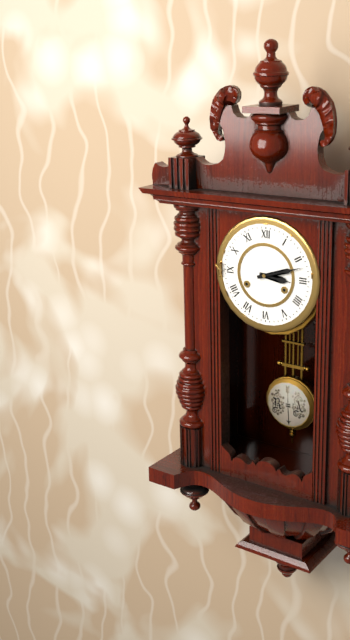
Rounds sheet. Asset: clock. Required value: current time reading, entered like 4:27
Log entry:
3:12
